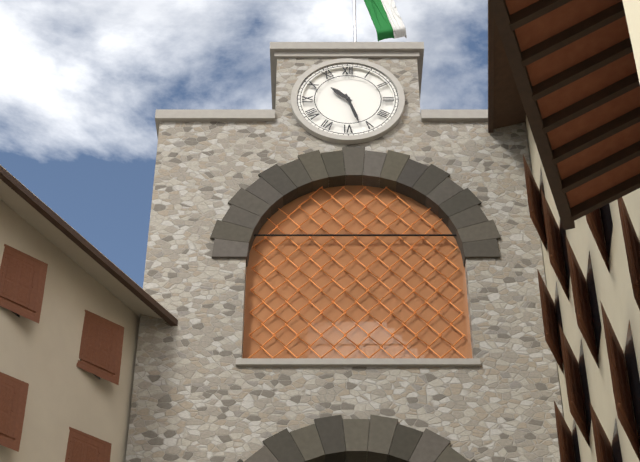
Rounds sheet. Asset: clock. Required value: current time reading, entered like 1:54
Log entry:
10:27
